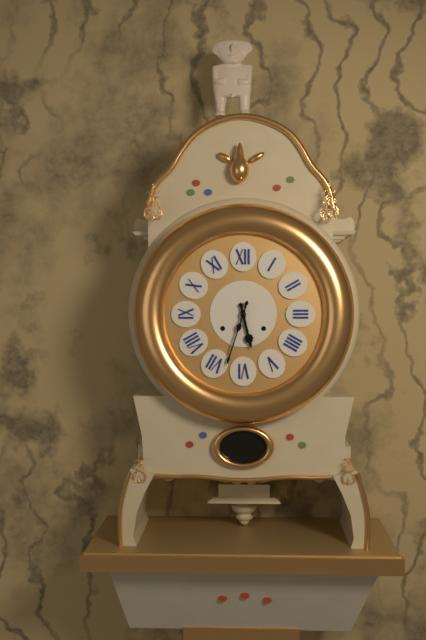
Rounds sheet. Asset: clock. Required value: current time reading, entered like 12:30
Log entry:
5:33
